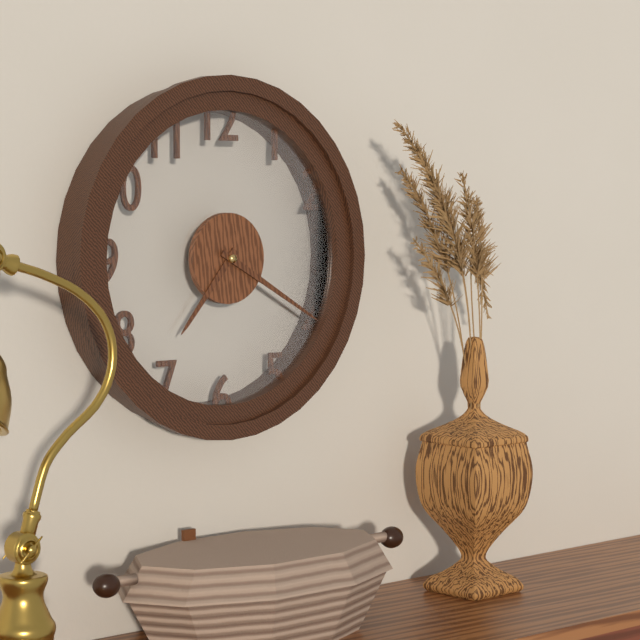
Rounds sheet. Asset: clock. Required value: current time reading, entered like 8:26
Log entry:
7:20
